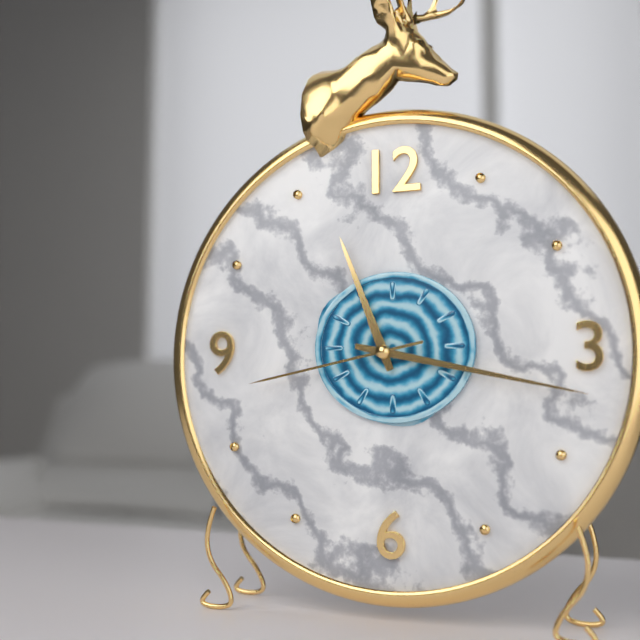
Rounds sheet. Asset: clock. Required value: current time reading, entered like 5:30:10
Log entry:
11:17:43
